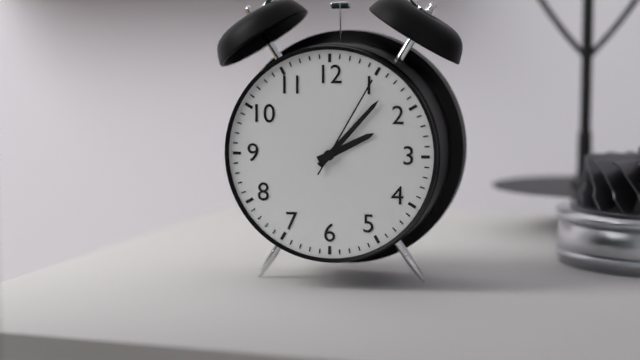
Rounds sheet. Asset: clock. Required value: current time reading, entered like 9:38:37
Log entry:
2:07:05
